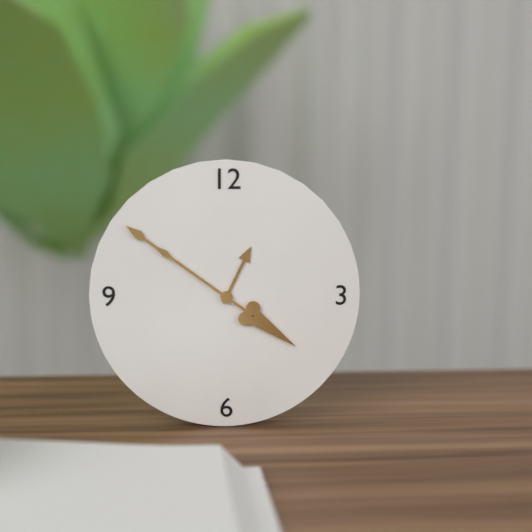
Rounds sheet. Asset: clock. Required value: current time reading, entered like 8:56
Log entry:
12:51
